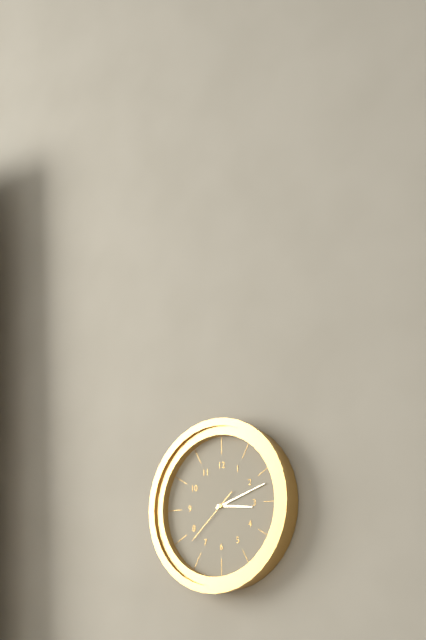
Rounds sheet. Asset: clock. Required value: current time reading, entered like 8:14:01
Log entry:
3:12:38
